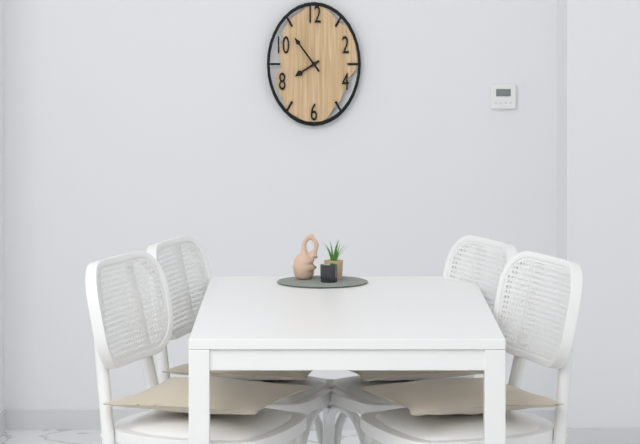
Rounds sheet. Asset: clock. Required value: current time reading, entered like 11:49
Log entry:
7:54
